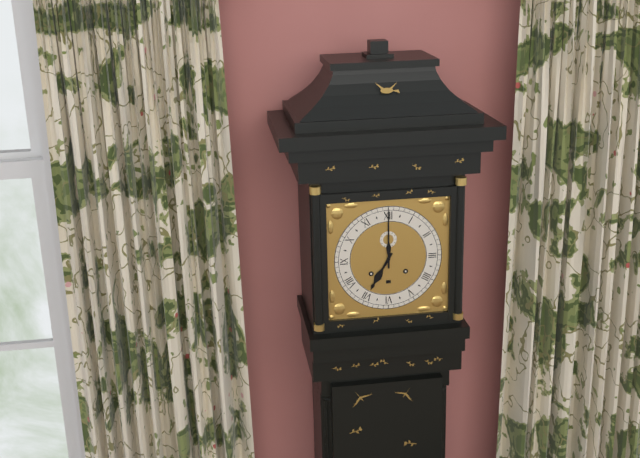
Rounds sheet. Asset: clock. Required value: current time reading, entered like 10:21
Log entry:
7:00
